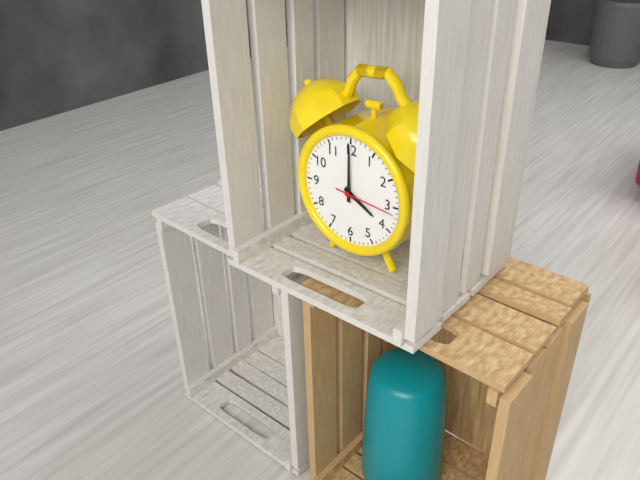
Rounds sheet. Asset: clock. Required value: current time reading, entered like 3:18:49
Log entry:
4:00:16
